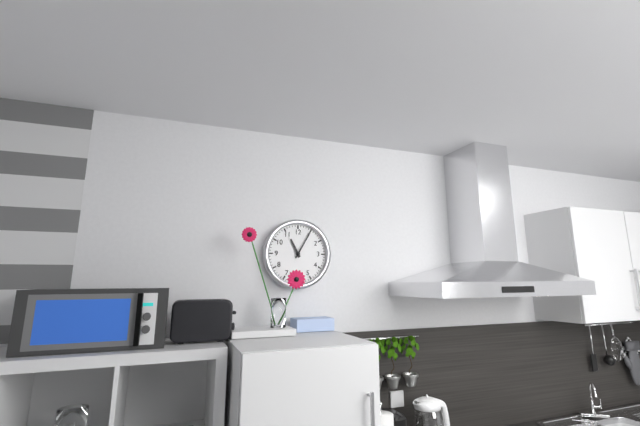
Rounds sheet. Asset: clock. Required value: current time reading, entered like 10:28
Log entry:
11:05
